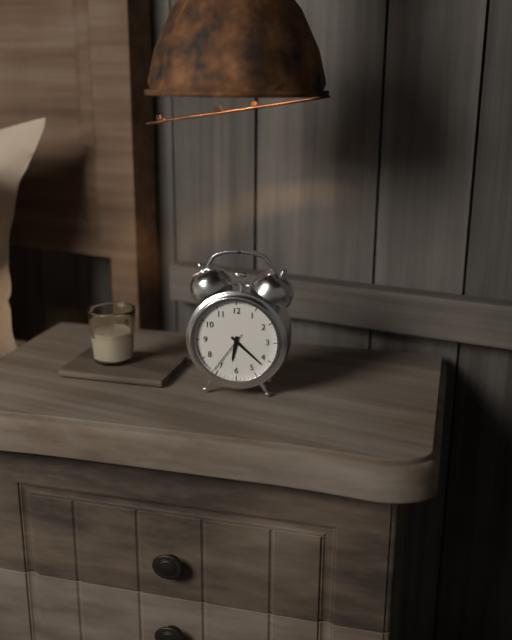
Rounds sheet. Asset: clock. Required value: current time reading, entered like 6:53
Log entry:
6:22
